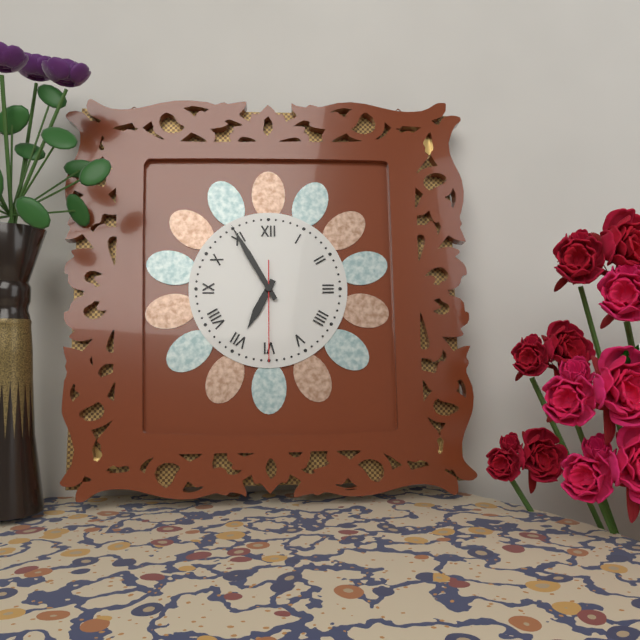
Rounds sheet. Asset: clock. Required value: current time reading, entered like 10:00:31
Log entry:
6:55:30
